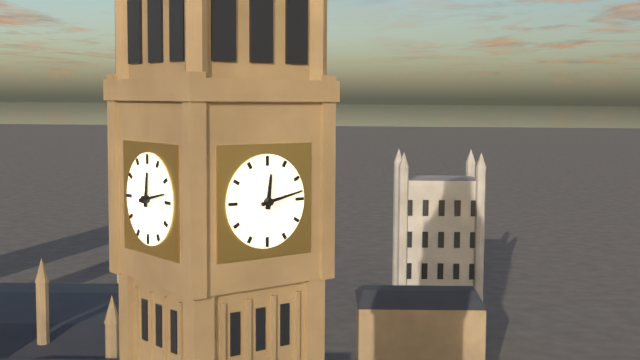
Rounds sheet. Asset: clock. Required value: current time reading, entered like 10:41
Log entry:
12:13
